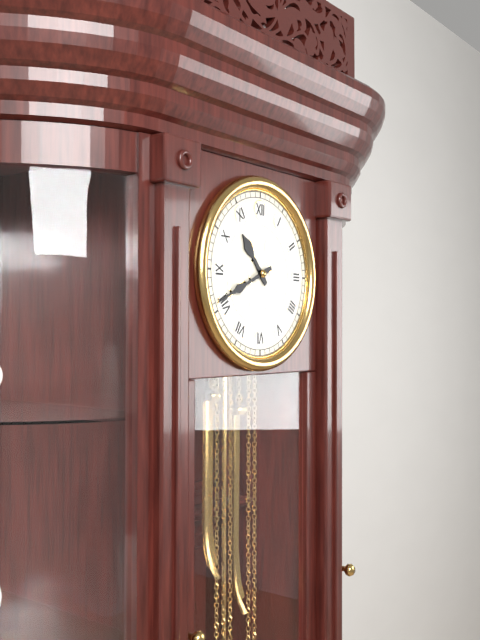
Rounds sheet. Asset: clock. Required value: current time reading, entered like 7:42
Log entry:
10:41
